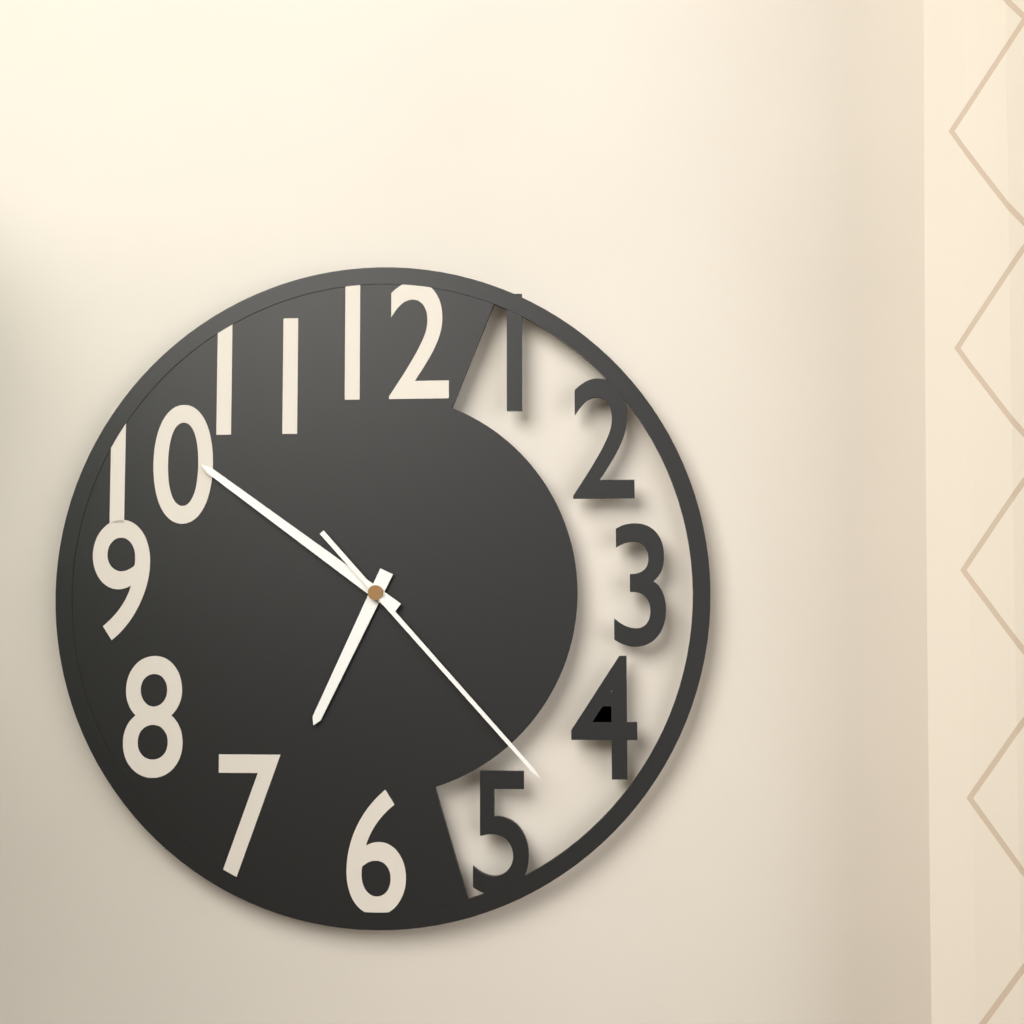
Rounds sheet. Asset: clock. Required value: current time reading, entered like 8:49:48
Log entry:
6:51:23
